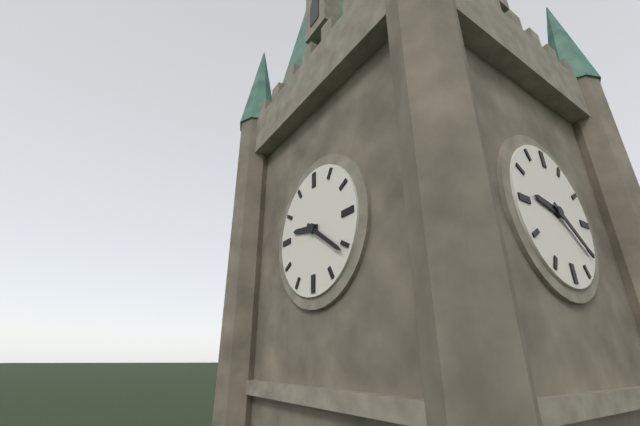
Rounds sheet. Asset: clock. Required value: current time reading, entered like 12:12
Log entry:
9:21
